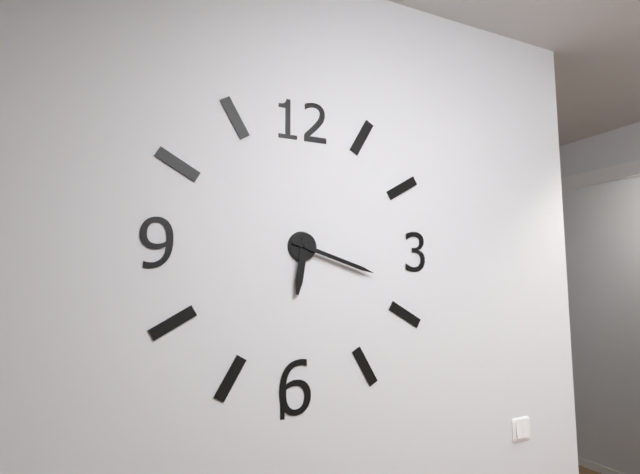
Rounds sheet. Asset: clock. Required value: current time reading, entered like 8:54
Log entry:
6:18
